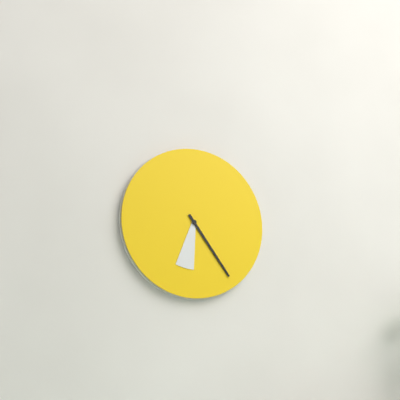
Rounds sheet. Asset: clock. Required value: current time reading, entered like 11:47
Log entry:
6:24
